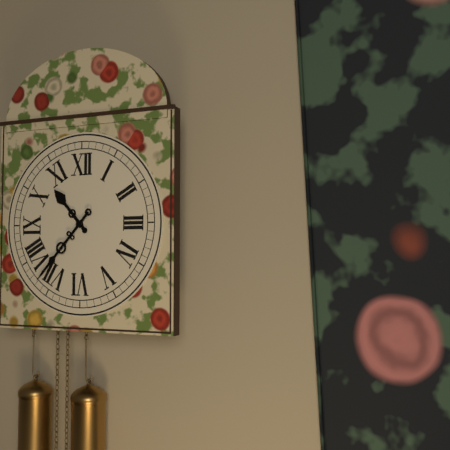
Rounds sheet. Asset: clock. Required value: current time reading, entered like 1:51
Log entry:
10:37
